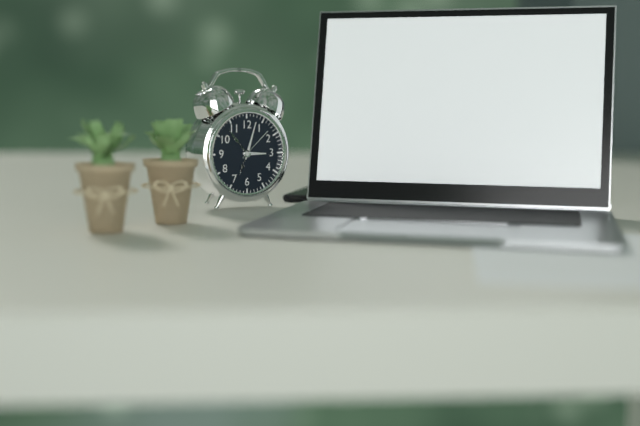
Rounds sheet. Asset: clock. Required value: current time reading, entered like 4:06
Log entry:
3:03
